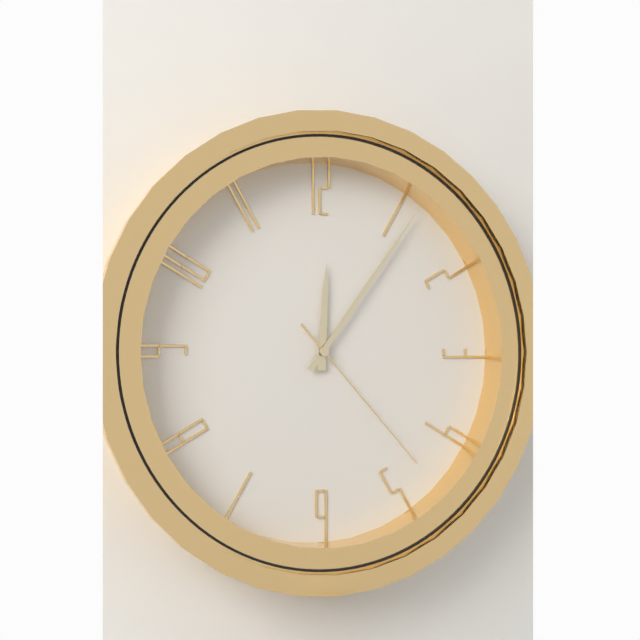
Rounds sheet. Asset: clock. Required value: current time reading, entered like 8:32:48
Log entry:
12:06:23
